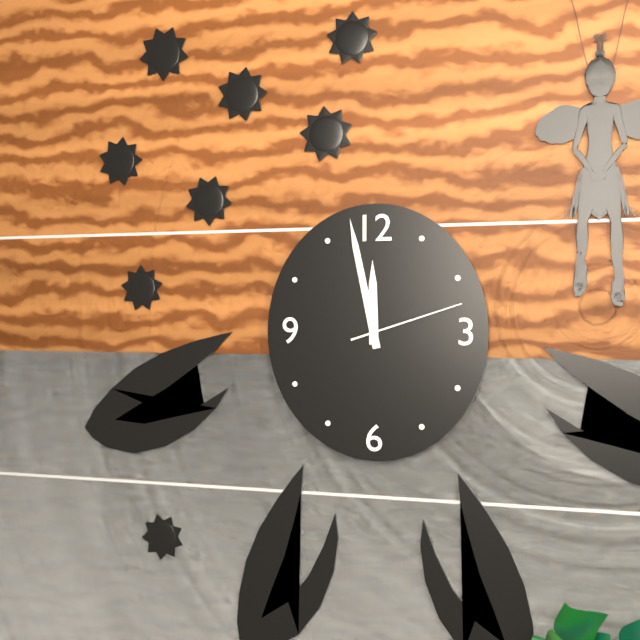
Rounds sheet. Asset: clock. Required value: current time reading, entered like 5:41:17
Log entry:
11:58:12
